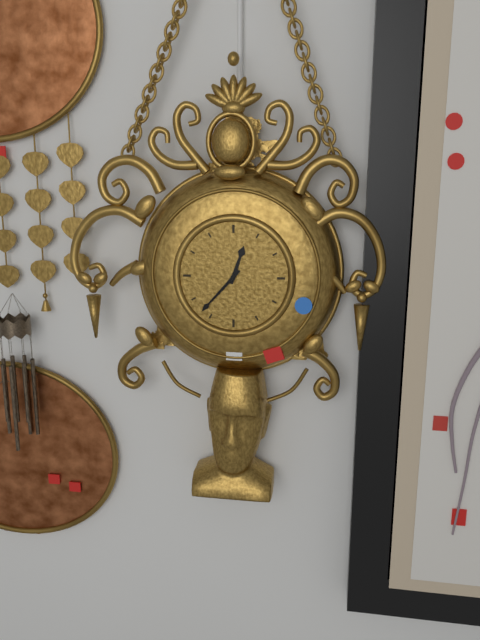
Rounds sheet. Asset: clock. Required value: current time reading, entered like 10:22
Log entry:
12:37
